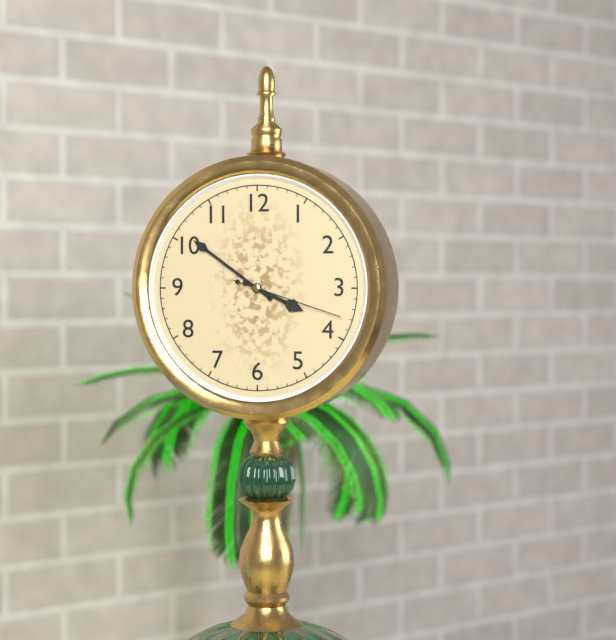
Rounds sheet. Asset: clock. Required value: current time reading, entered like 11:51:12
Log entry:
3:51:18
